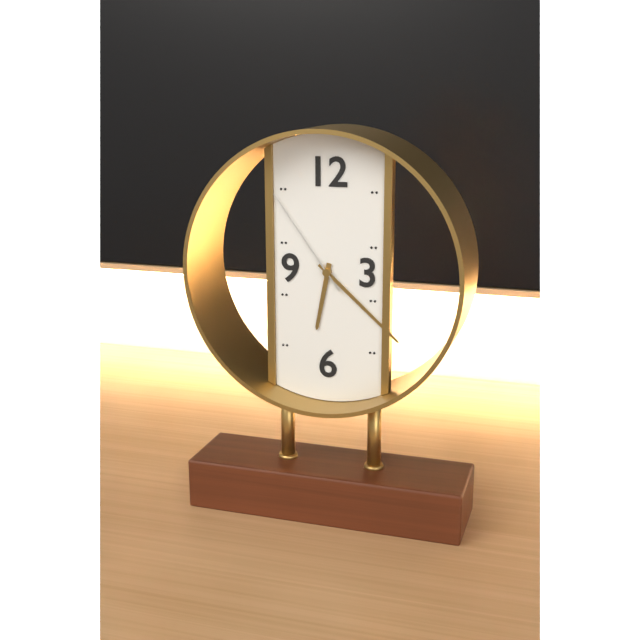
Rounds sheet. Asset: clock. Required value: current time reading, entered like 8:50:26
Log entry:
6:22:54
